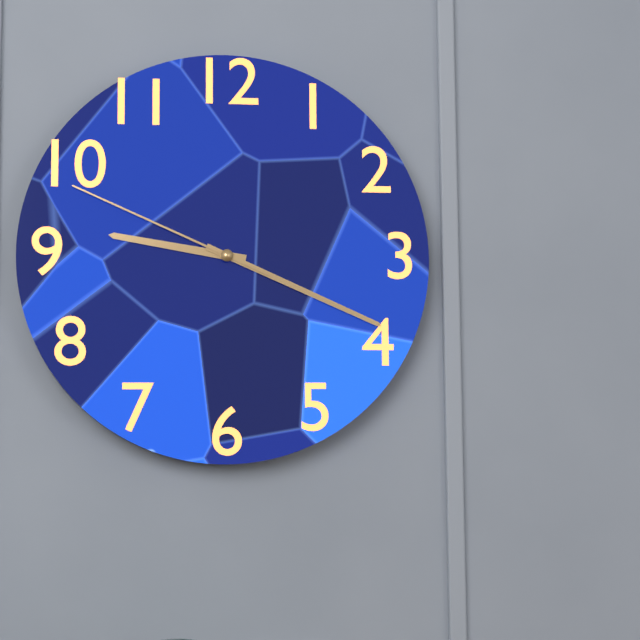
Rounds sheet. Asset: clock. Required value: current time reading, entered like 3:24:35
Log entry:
9:19:49
